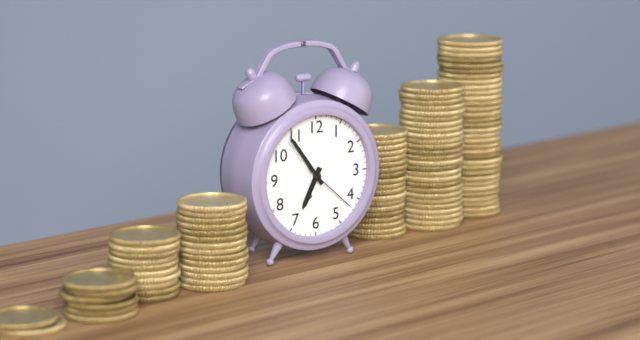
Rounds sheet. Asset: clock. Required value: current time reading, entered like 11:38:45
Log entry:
6:54:22
